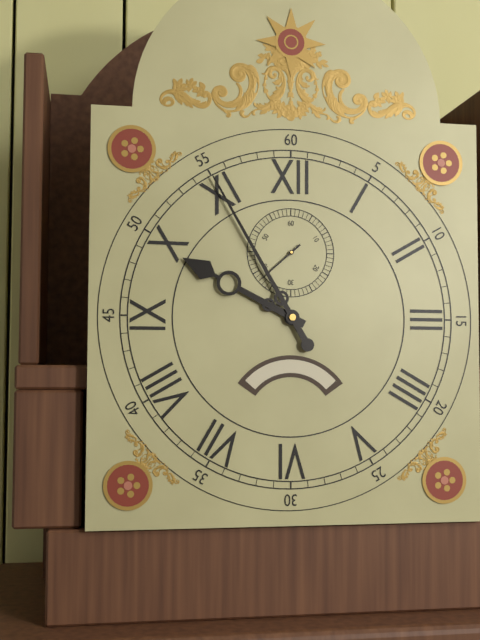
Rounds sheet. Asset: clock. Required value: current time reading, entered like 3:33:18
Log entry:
9:55:38
